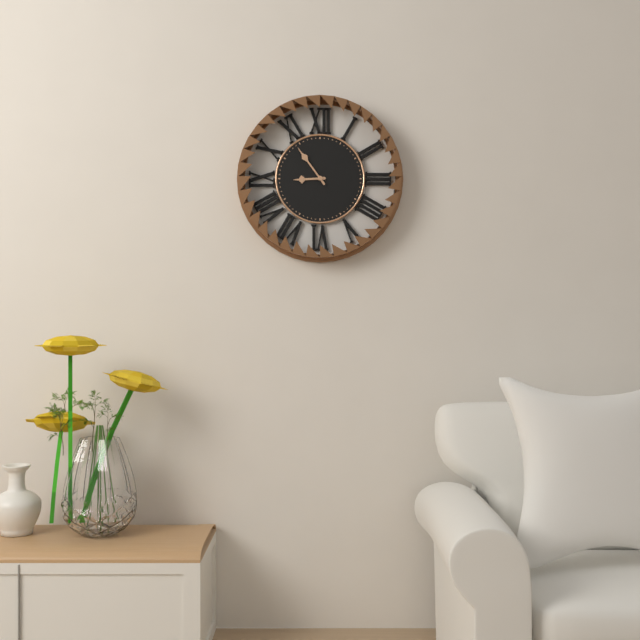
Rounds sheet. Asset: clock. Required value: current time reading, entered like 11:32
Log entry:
8:54
